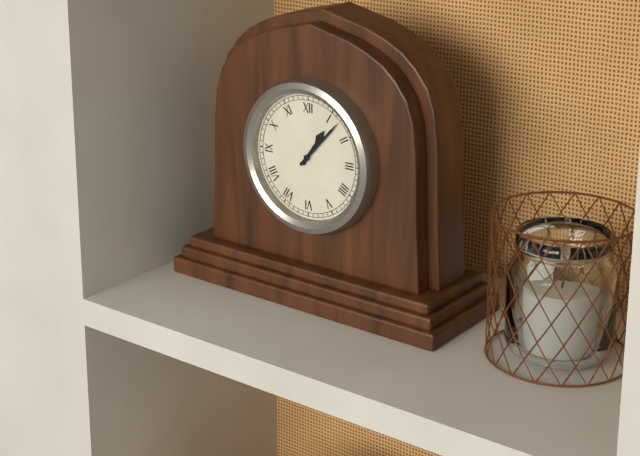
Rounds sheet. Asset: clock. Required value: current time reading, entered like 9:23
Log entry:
1:07
